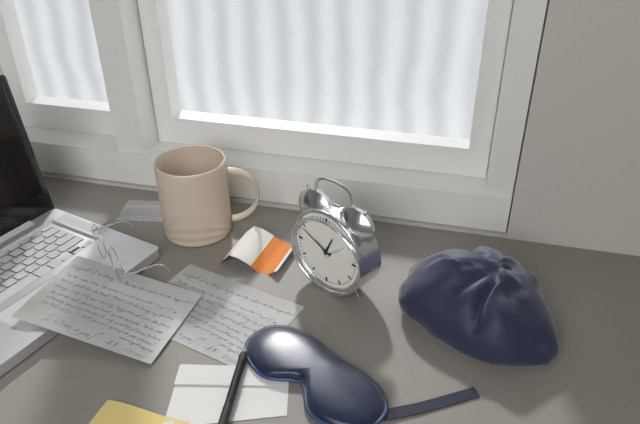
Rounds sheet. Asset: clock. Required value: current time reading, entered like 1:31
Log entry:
12:49
